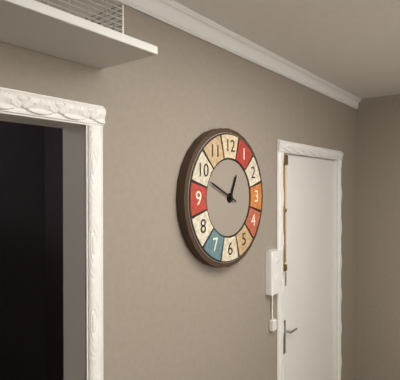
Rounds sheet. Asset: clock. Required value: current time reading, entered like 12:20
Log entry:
12:49
